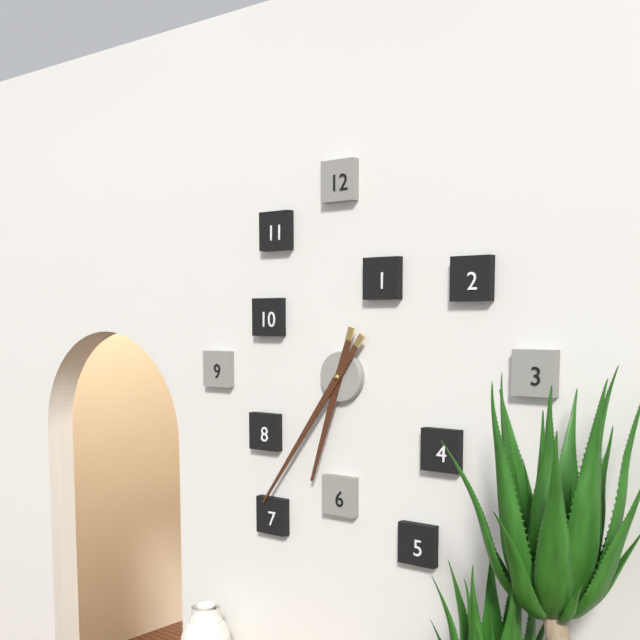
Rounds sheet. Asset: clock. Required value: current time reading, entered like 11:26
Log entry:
6:36
